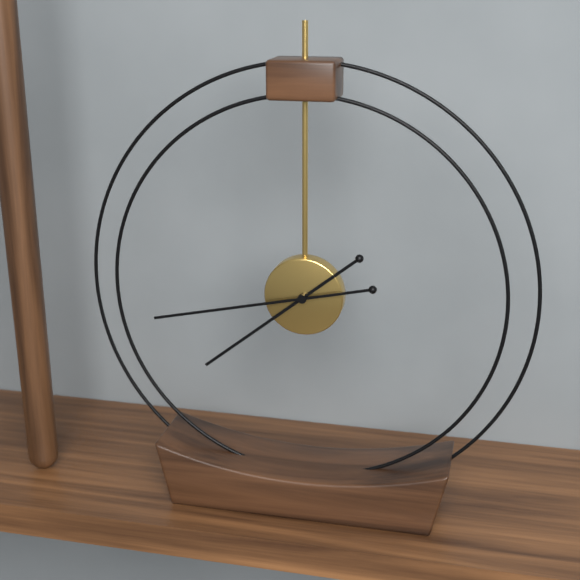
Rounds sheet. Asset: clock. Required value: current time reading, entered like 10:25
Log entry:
7:43
